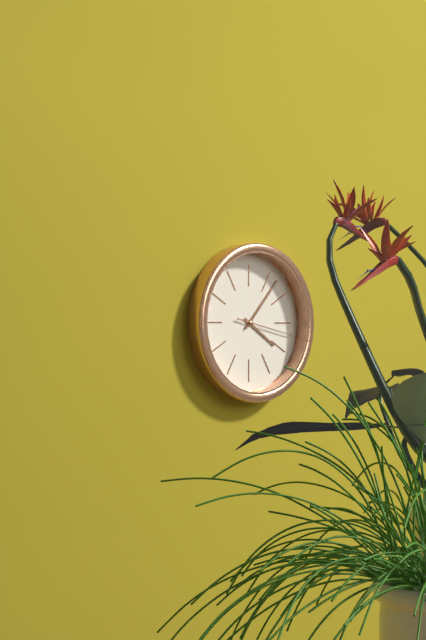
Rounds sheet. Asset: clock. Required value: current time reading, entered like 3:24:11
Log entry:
4:07:17
